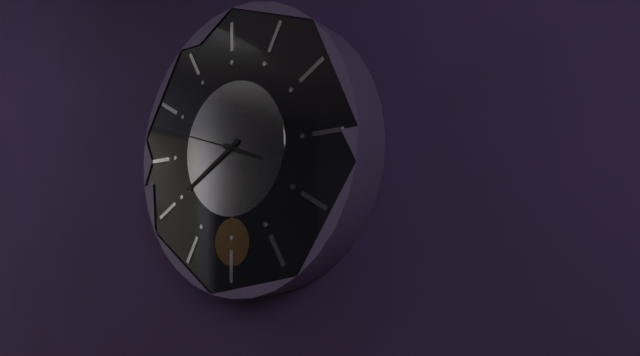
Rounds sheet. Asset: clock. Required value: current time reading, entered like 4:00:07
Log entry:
3:40:48
